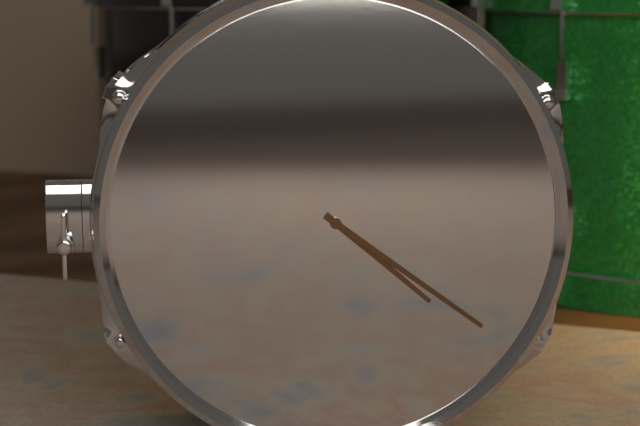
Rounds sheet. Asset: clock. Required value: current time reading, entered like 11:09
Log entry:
4:21
